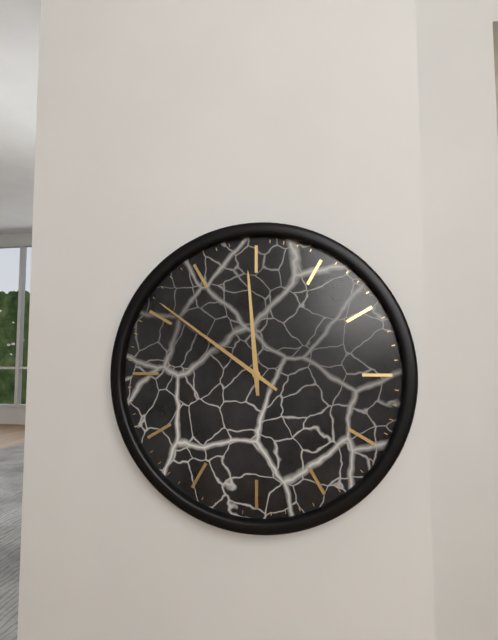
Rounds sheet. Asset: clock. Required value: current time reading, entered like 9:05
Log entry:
11:51
